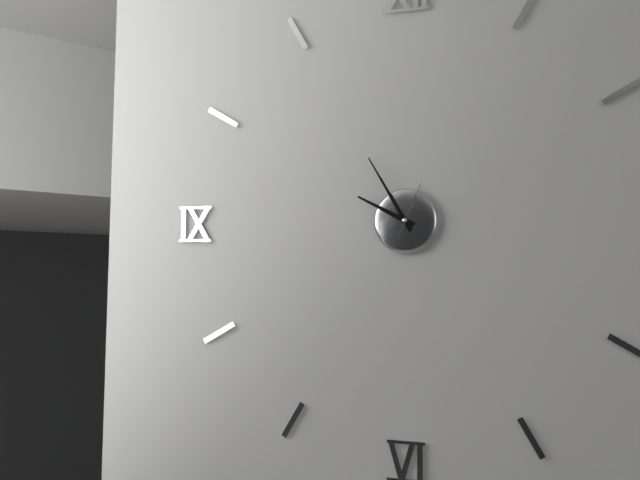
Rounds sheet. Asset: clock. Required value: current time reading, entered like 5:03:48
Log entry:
9:55:04
